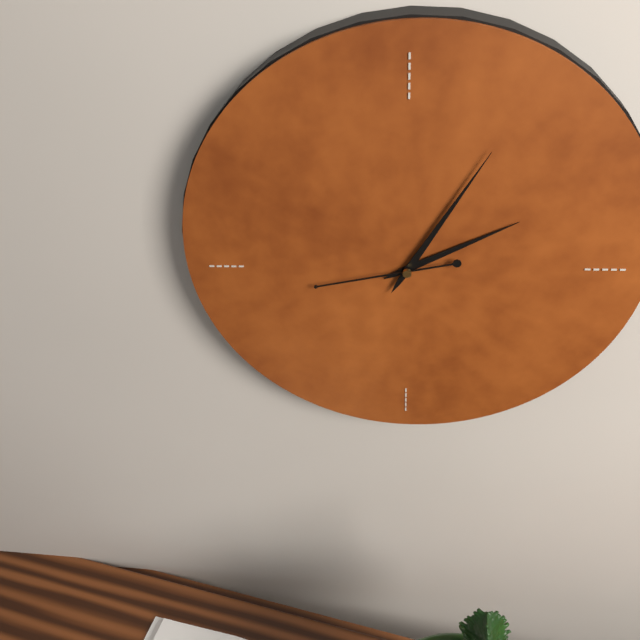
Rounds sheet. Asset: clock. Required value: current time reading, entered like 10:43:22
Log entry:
2:05:43
